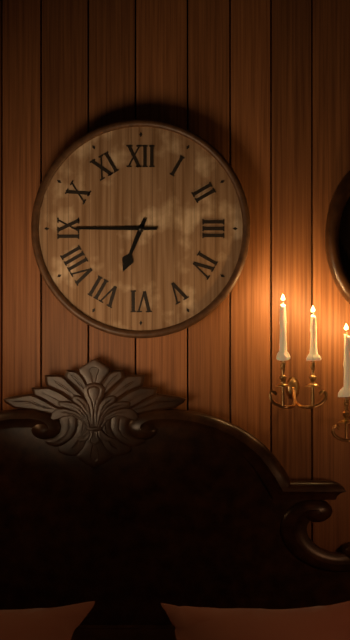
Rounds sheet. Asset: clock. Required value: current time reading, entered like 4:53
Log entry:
6:45
